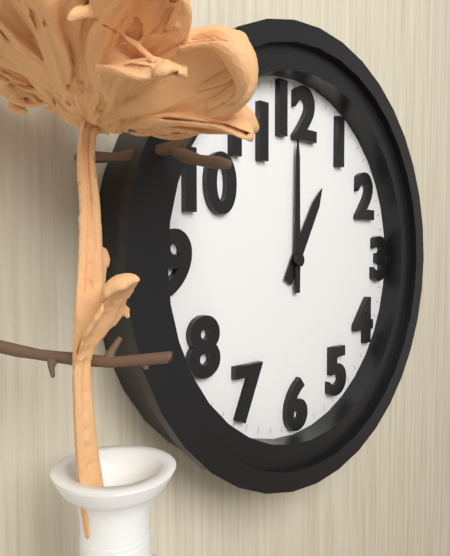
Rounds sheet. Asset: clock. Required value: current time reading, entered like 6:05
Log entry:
1:00
